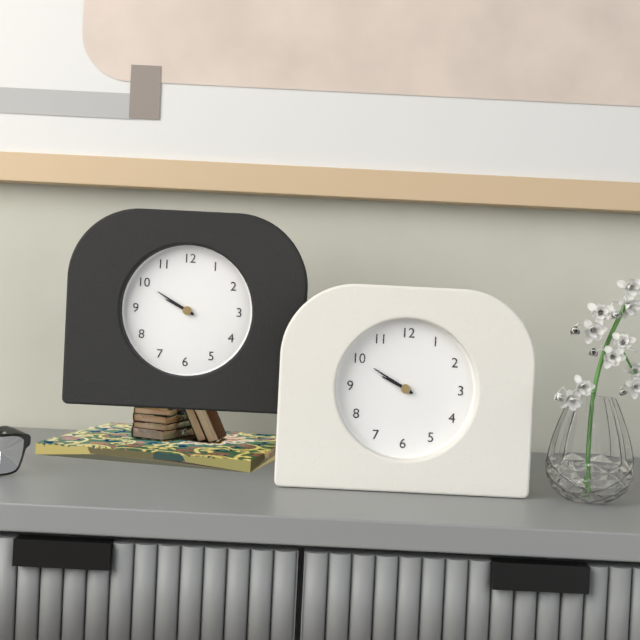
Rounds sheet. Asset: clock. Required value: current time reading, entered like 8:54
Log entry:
9:50
